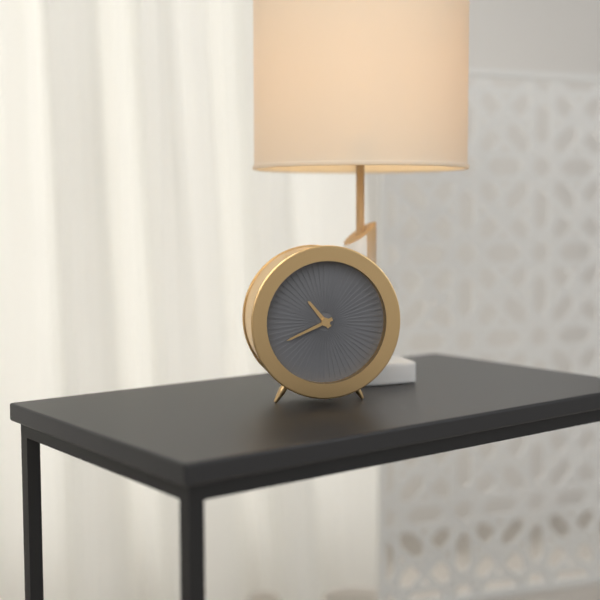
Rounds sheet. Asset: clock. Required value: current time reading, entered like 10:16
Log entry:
10:41
